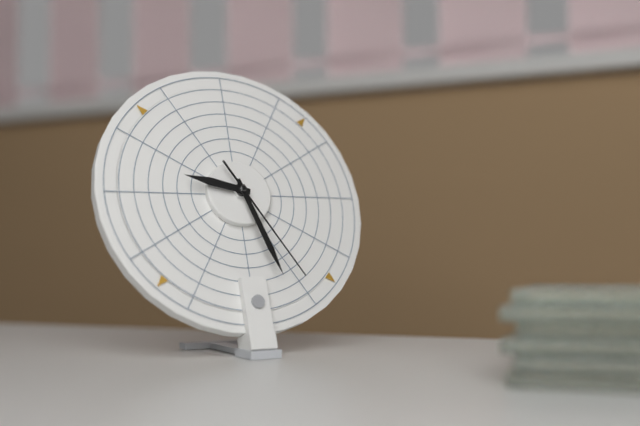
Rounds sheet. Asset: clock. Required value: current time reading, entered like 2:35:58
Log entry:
9:27:25
